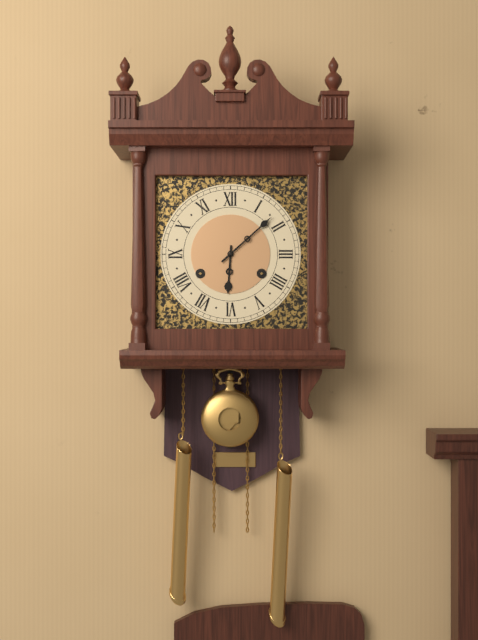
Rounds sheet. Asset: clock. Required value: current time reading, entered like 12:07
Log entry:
6:08
